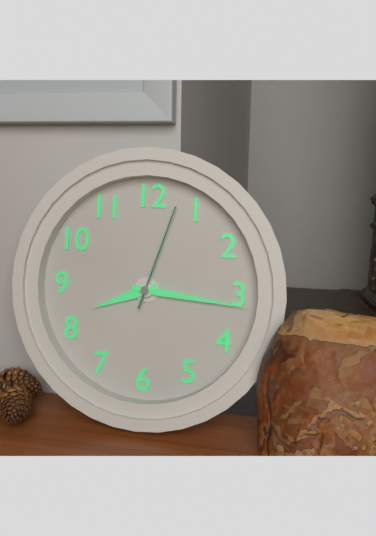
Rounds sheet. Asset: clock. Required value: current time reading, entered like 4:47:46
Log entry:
8:16:03
